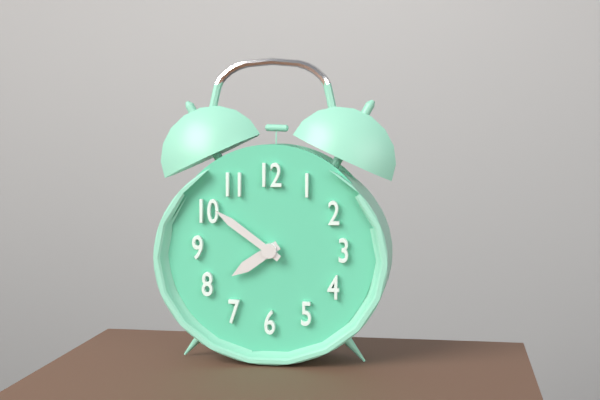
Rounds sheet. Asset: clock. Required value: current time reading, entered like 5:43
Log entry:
7:51
